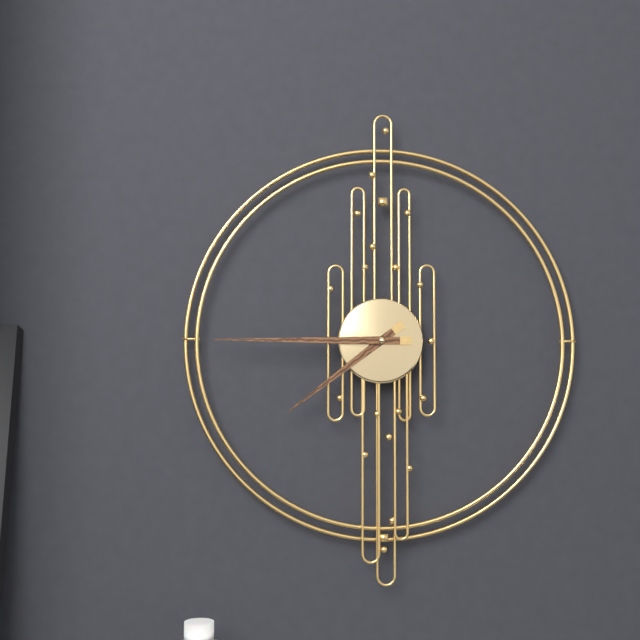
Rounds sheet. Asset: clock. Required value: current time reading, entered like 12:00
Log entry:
7:45
